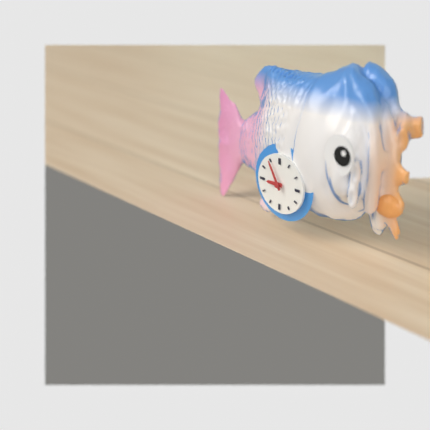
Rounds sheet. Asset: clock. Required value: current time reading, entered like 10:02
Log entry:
8:55
